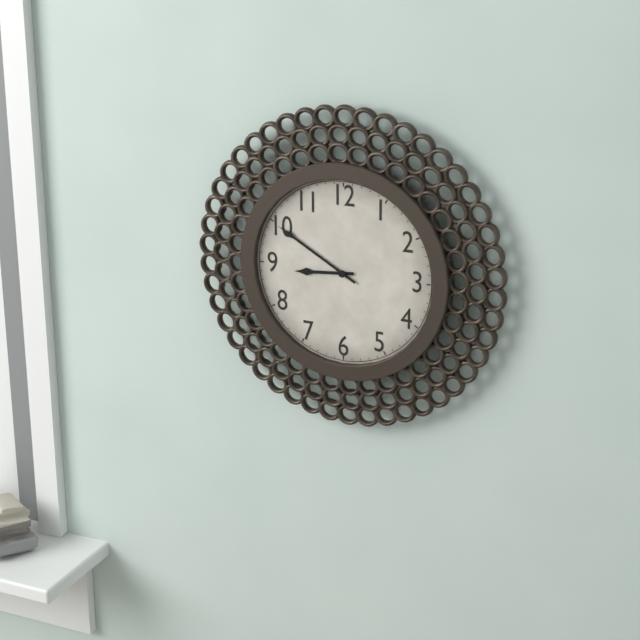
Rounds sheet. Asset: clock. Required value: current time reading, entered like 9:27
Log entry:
8:50
